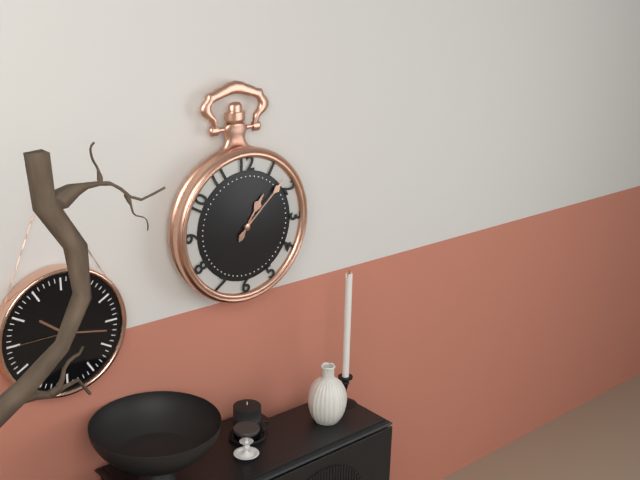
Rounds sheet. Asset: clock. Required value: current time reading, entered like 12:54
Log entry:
1:08
